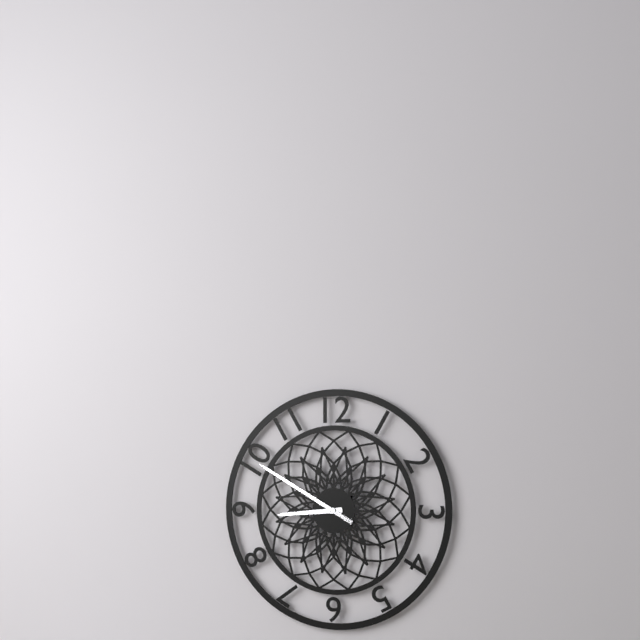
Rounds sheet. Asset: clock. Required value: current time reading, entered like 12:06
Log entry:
8:50
